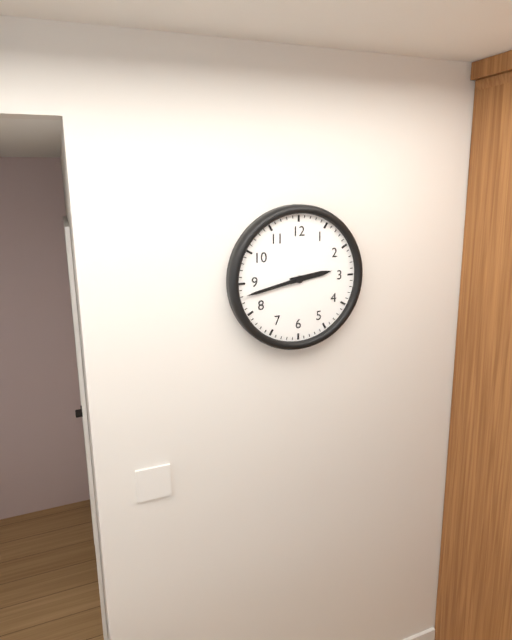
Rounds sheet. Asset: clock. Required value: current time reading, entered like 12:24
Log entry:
2:43
